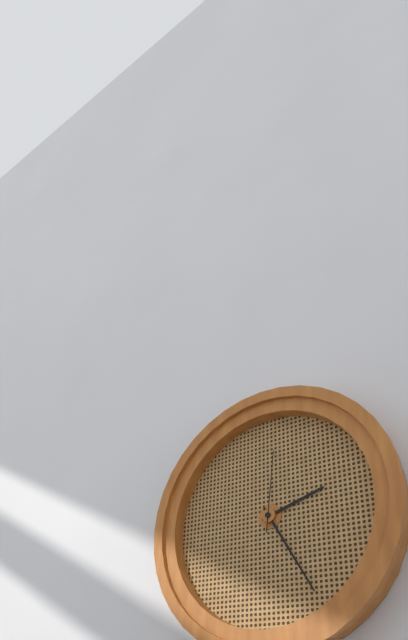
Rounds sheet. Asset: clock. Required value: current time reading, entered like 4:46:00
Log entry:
2:25:01
